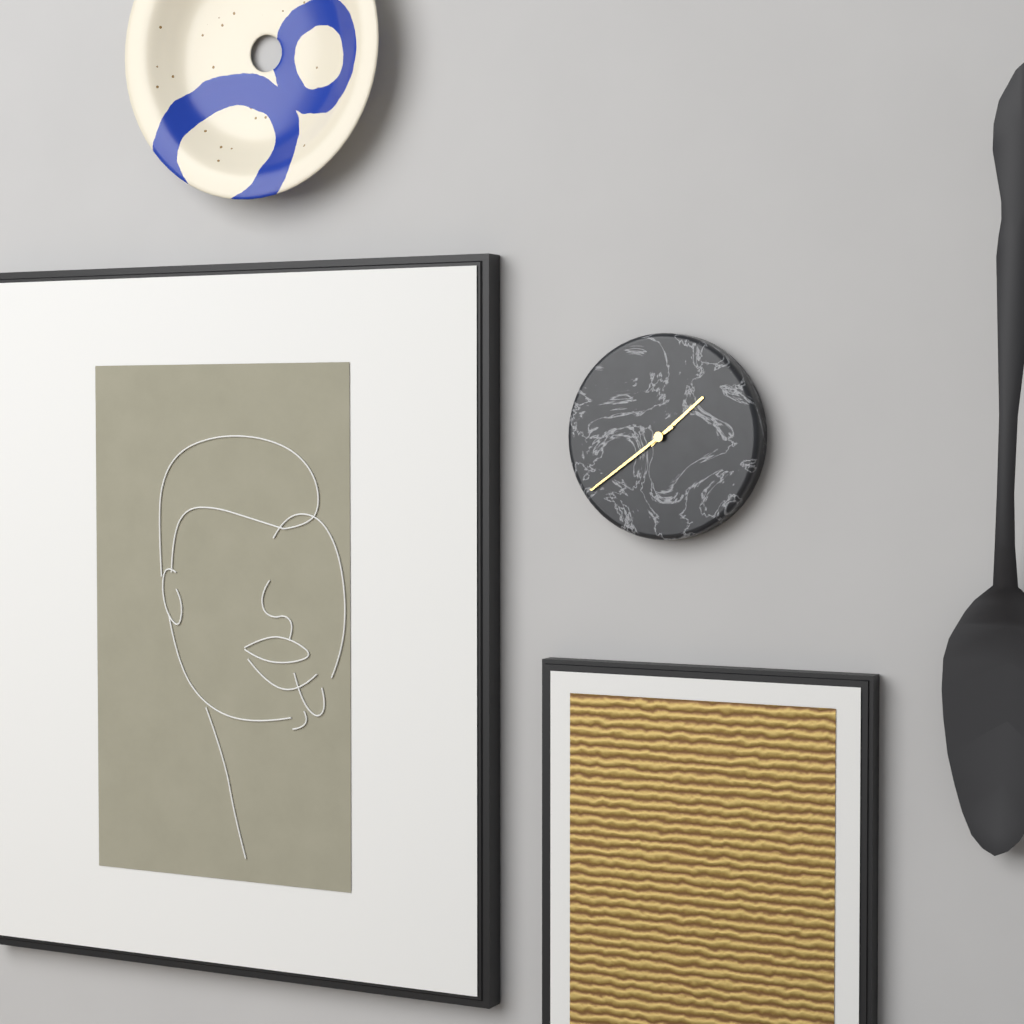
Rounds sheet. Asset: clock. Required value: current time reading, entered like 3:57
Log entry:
1:39
